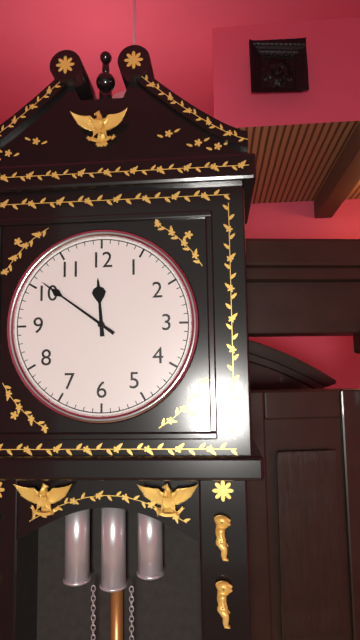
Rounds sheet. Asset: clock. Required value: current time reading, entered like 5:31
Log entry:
11:51
